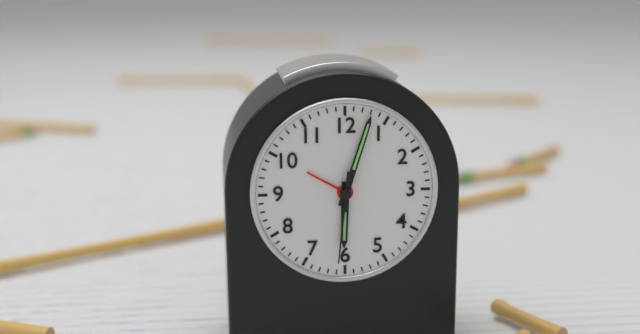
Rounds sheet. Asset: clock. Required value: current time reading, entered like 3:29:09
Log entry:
6:03:31
